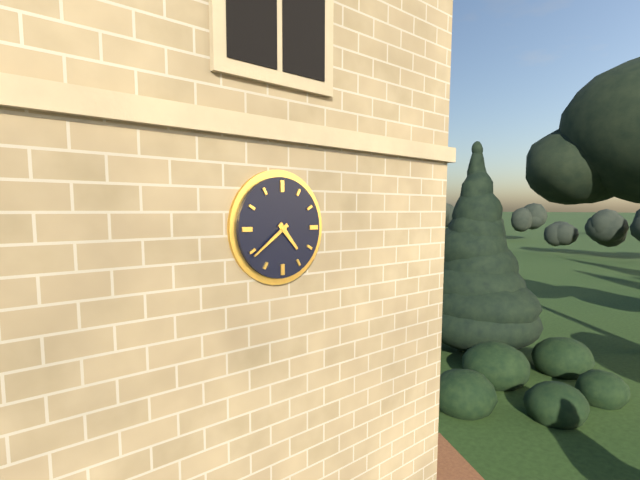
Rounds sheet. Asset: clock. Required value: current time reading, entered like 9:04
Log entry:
4:39
